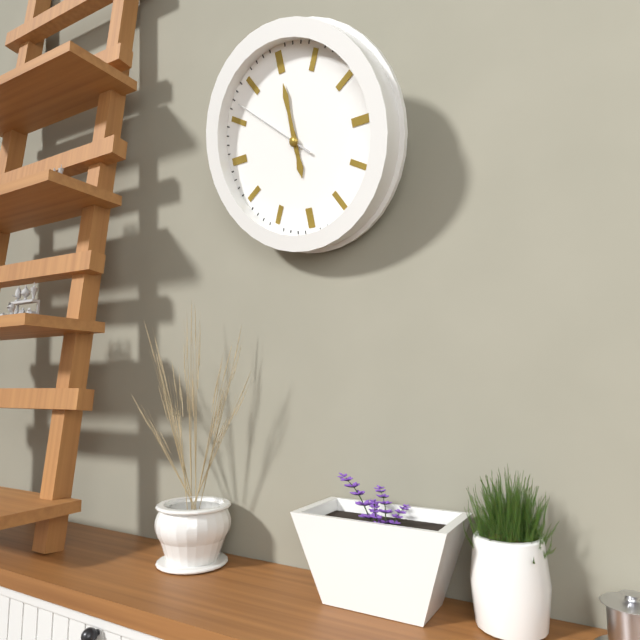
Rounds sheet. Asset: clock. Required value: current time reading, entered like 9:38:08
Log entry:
6:00:52
